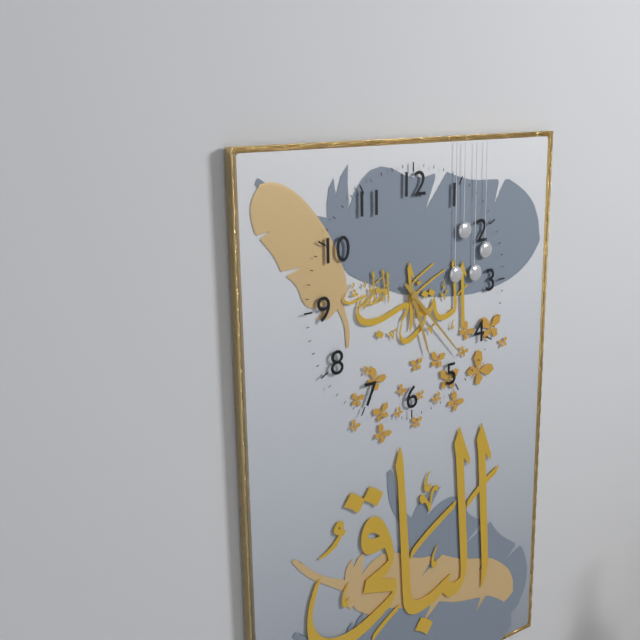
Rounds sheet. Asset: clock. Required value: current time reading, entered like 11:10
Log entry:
5:23
